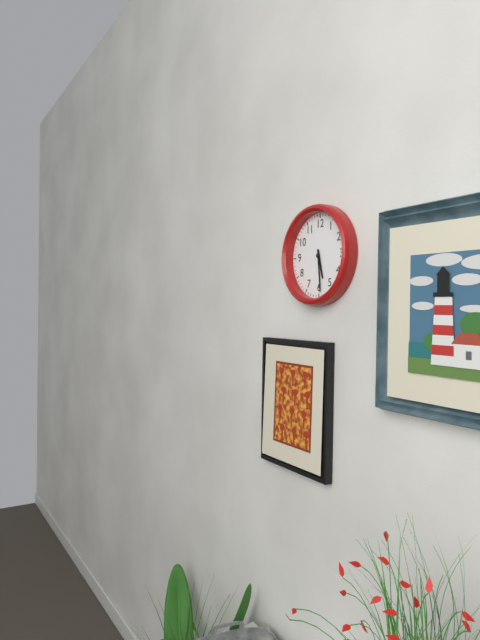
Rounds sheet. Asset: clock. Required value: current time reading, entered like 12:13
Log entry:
5:29
